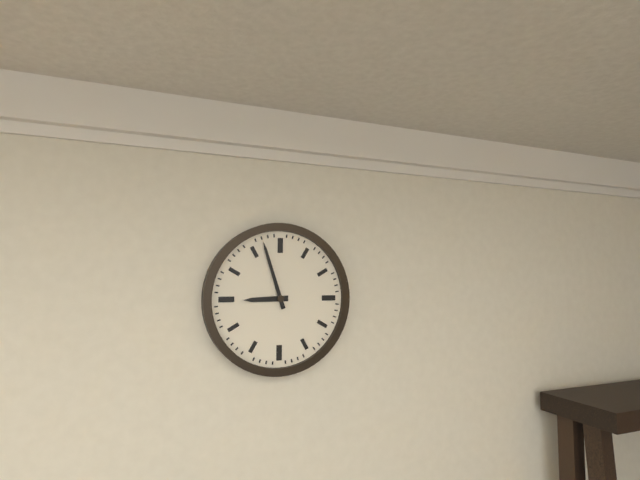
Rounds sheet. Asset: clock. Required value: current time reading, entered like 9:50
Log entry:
8:57
